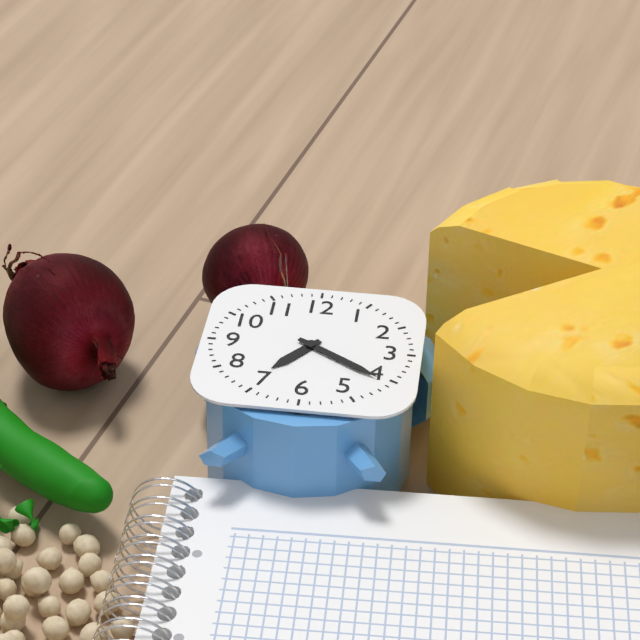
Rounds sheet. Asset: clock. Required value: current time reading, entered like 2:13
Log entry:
7:20
